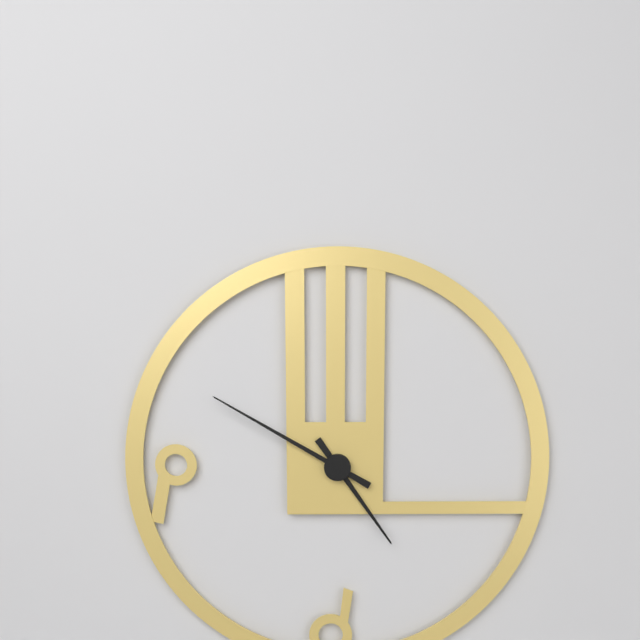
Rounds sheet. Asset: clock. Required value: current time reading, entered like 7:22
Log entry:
4:50
